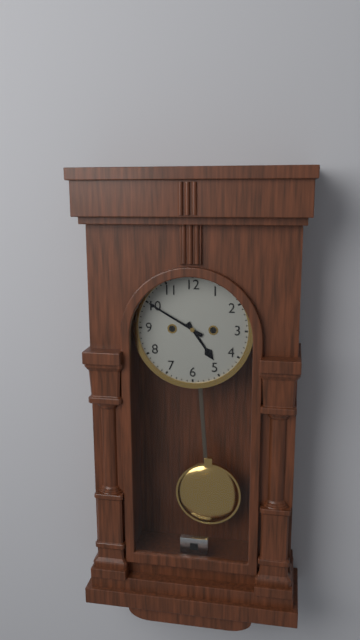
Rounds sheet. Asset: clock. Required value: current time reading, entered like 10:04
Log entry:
4:50
